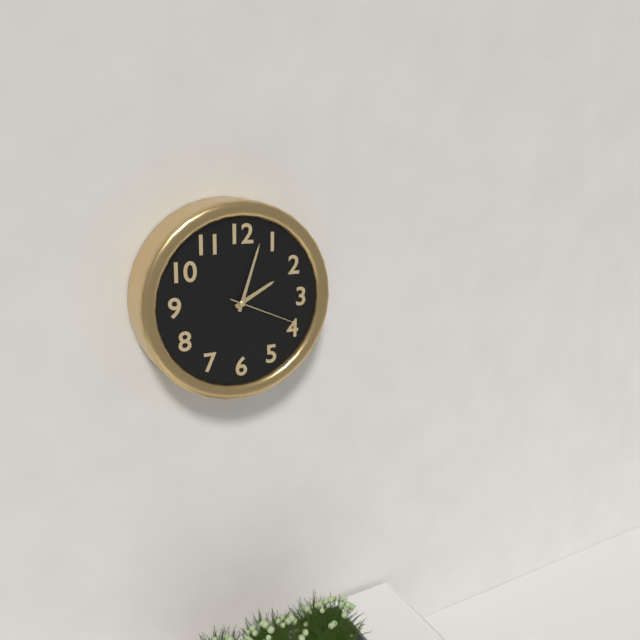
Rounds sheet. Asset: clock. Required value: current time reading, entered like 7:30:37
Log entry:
2:03:19
